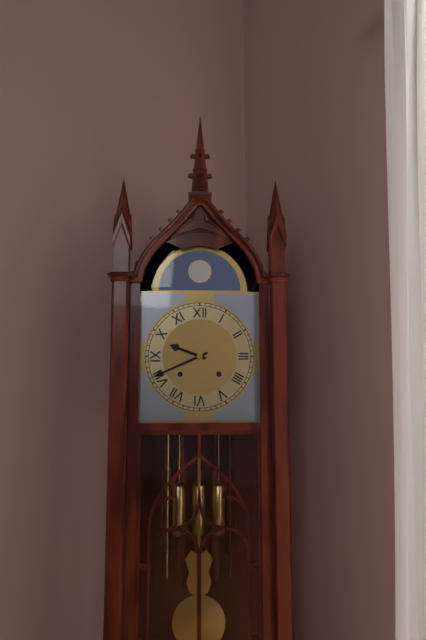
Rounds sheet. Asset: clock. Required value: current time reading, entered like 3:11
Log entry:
9:41
